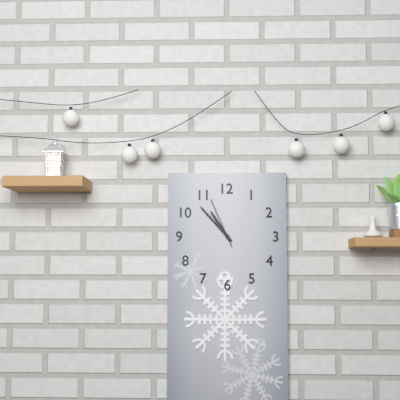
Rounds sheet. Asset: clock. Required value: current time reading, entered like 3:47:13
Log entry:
10:53:56
